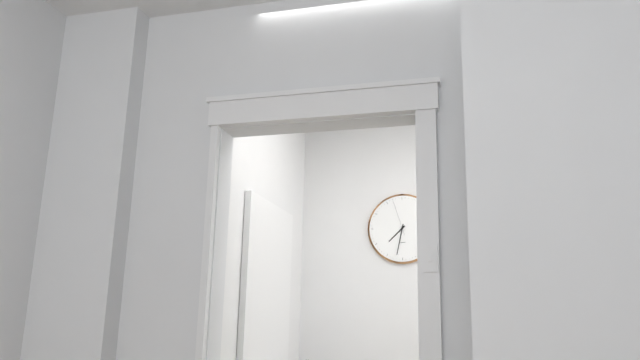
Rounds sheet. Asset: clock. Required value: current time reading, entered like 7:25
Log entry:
7:32
